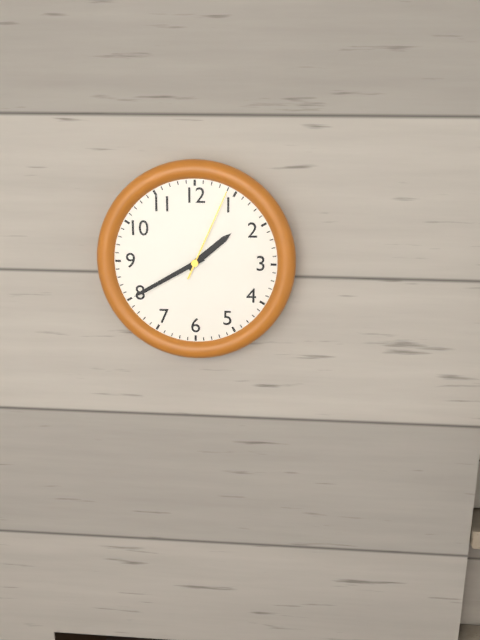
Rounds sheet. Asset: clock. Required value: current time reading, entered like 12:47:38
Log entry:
1:40:04
